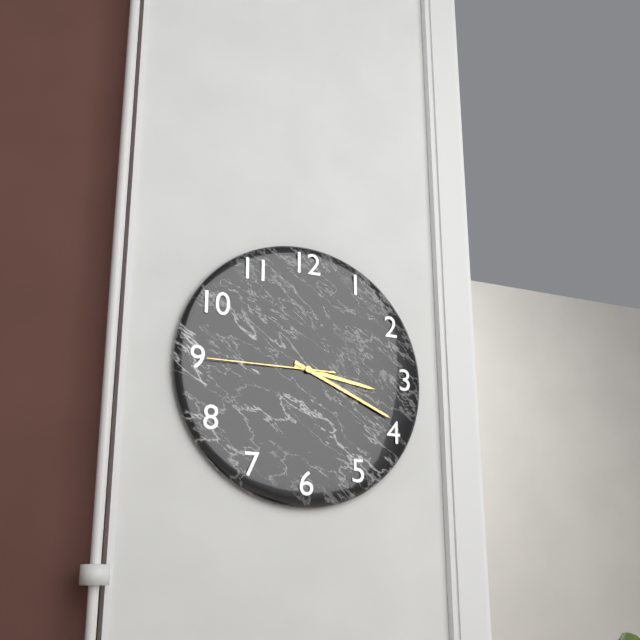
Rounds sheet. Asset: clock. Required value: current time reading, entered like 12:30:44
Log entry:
3:19:45
